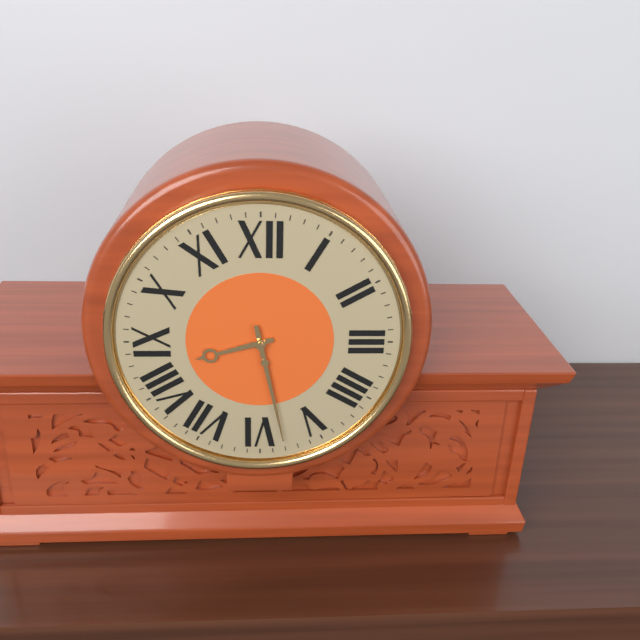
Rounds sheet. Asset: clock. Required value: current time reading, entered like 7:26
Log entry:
8:28
